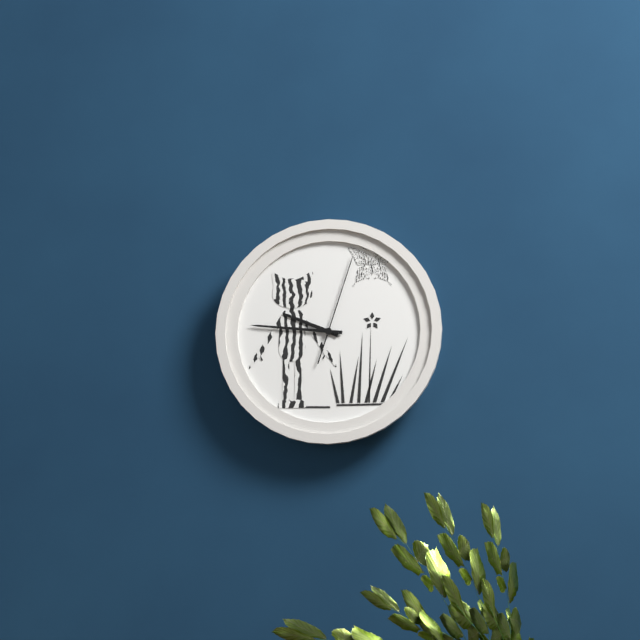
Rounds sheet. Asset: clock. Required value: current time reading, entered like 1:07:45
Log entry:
9:46:03
